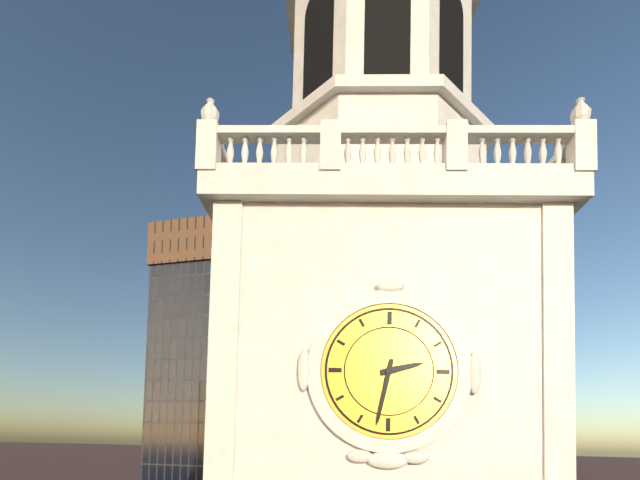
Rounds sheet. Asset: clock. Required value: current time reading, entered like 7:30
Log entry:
2:32
